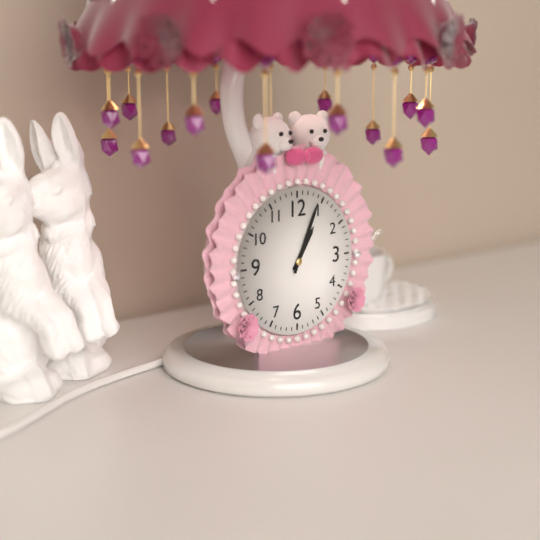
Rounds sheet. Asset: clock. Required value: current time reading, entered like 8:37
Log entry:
1:04
